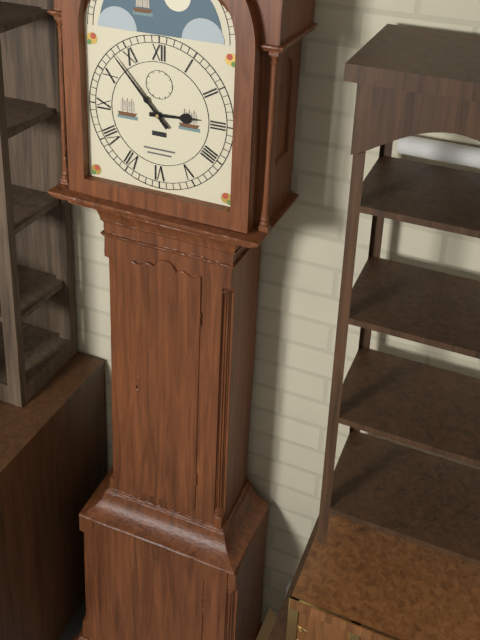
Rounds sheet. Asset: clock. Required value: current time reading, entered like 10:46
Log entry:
2:53
